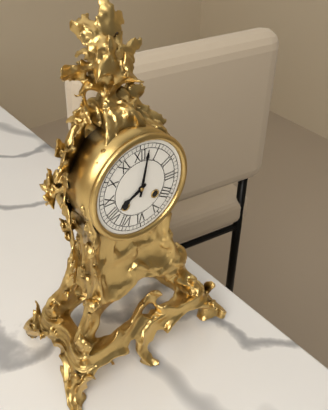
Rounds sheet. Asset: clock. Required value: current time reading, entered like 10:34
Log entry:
8:02
